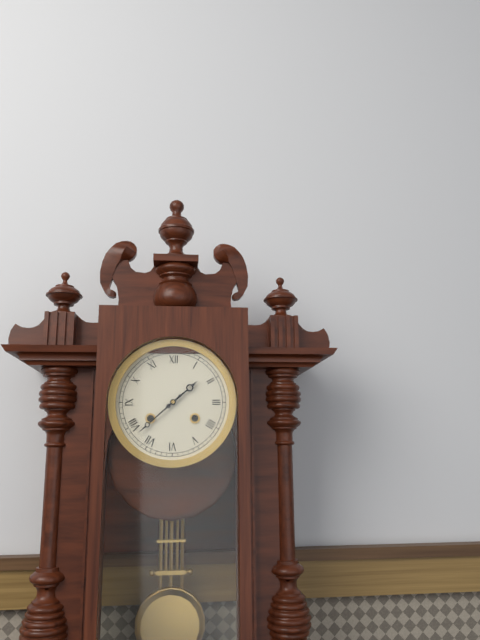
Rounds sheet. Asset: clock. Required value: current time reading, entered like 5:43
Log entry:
1:38
